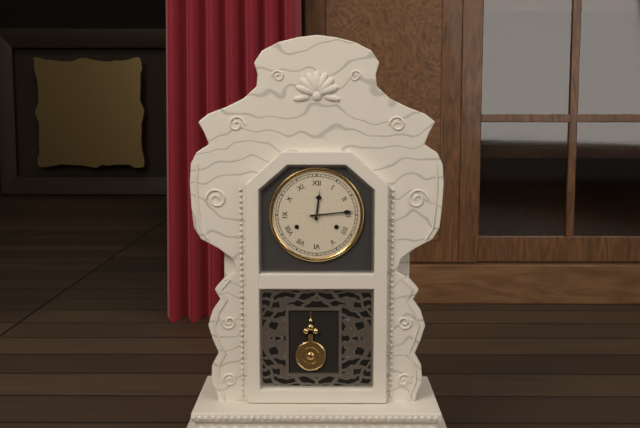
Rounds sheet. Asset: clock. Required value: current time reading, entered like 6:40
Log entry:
12:14
